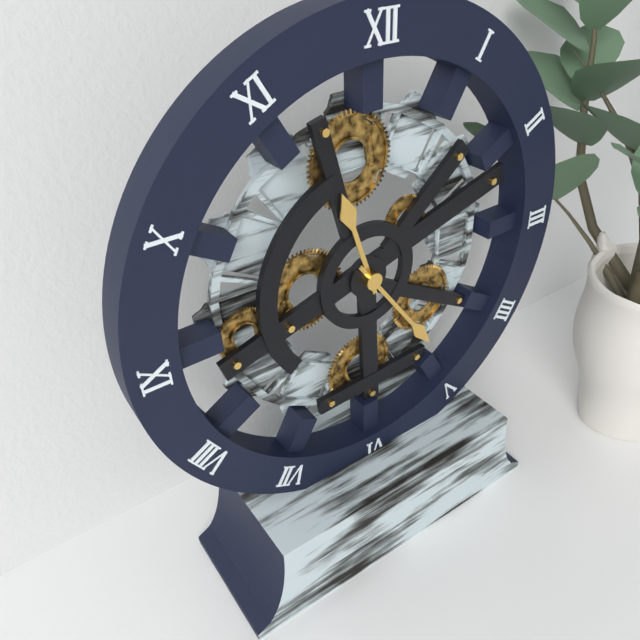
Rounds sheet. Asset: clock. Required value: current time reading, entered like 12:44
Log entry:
11:24
